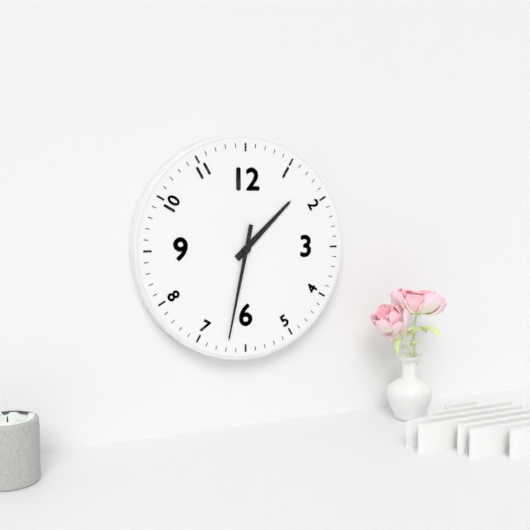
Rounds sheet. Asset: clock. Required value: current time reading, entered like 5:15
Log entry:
1:32
